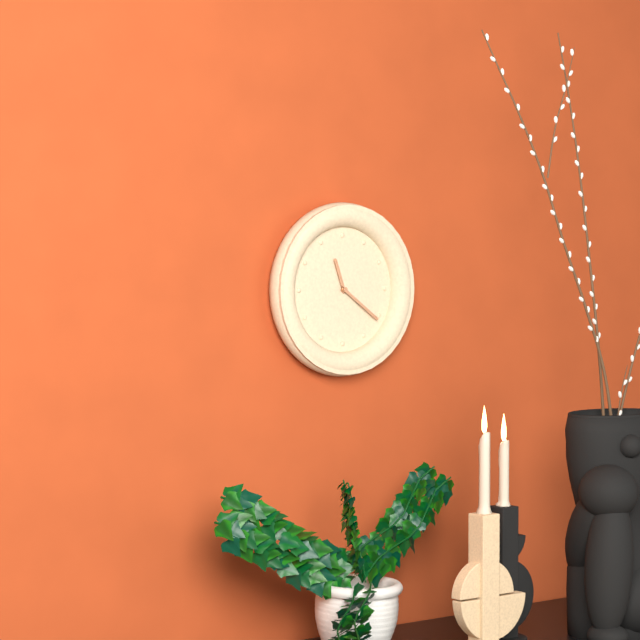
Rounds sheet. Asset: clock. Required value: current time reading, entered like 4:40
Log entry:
11:21
